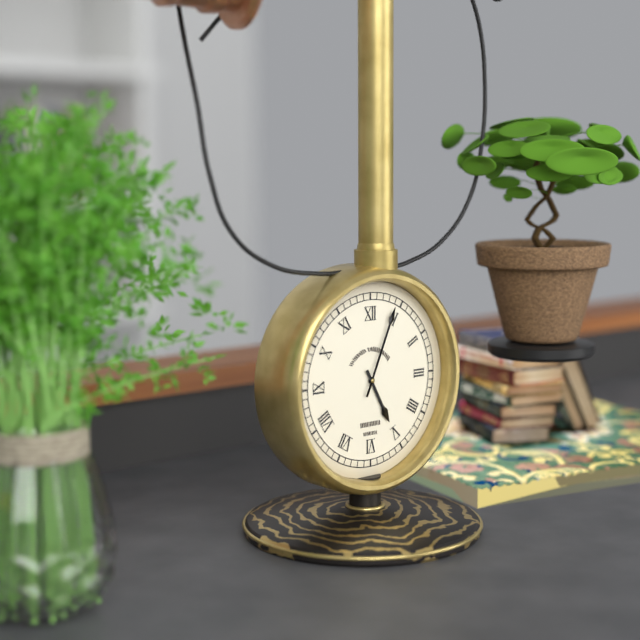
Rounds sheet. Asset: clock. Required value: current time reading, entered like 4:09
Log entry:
5:04
